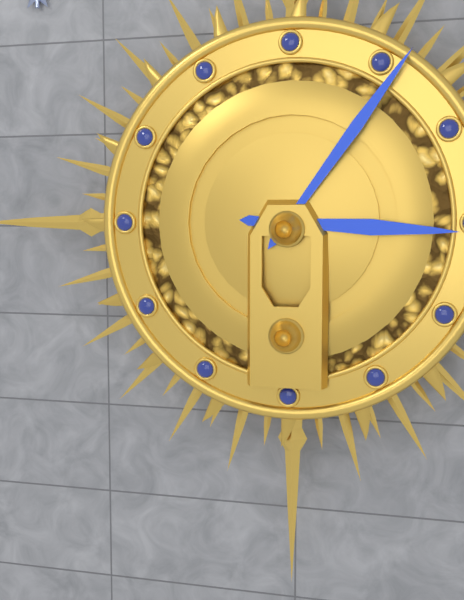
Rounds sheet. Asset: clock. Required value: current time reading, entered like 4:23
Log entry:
3:06
